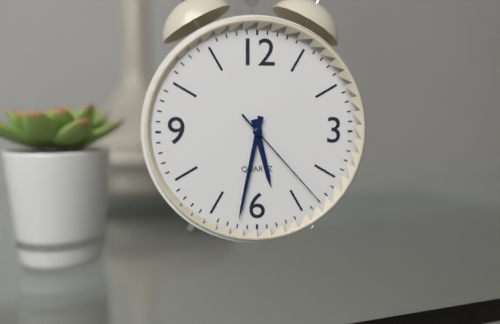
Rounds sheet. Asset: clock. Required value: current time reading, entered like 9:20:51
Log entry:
5:32:23
